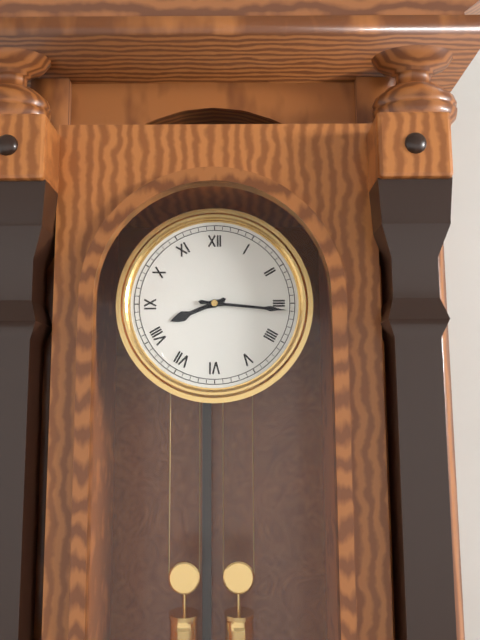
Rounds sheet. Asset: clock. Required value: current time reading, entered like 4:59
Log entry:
8:16
